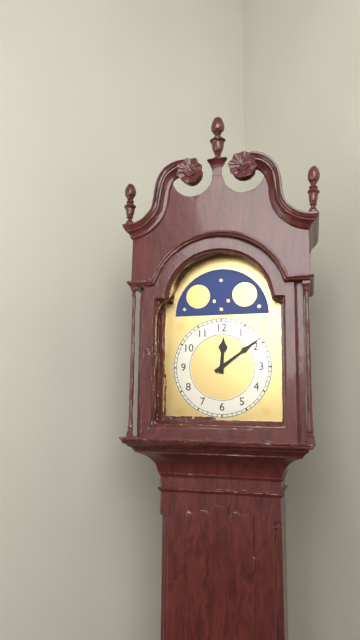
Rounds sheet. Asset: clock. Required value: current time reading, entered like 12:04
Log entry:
12:09
